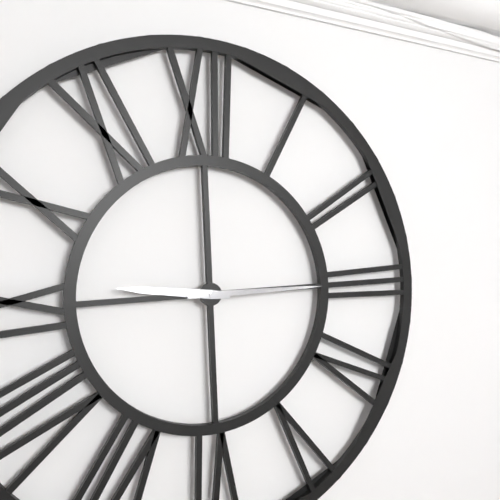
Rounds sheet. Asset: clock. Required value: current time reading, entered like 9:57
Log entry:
9:15
